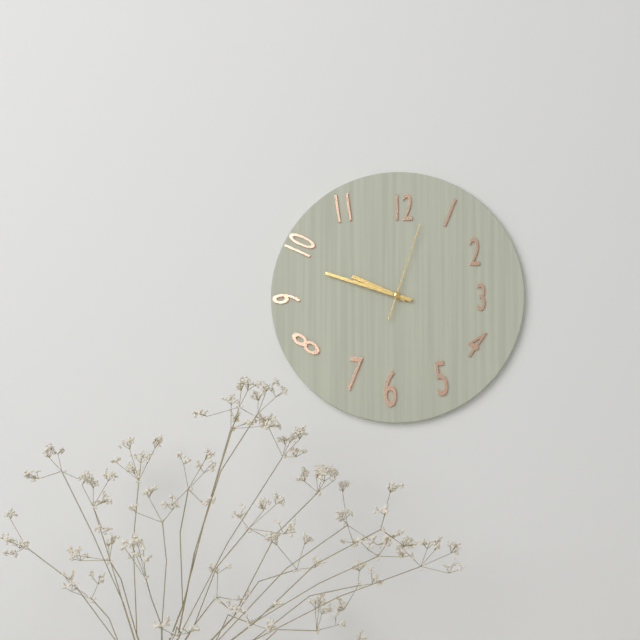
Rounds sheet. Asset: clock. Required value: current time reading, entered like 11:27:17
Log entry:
9:48:03
